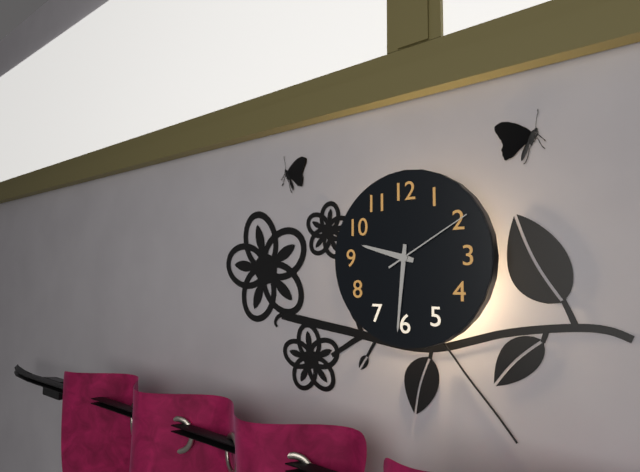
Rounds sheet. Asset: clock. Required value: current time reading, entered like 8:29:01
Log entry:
9:31:10
